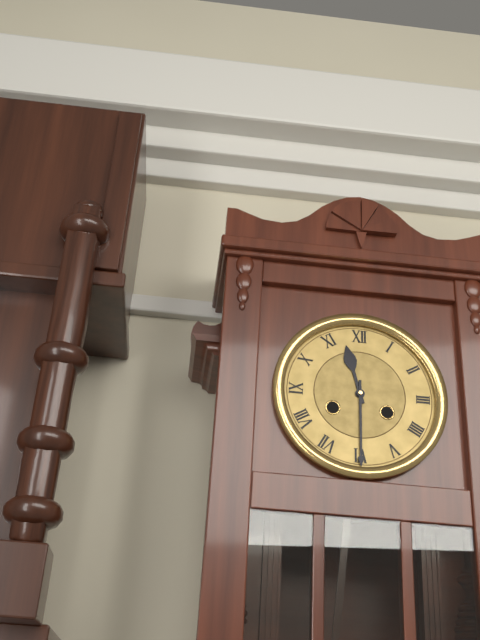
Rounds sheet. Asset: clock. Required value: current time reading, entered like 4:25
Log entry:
11:30
